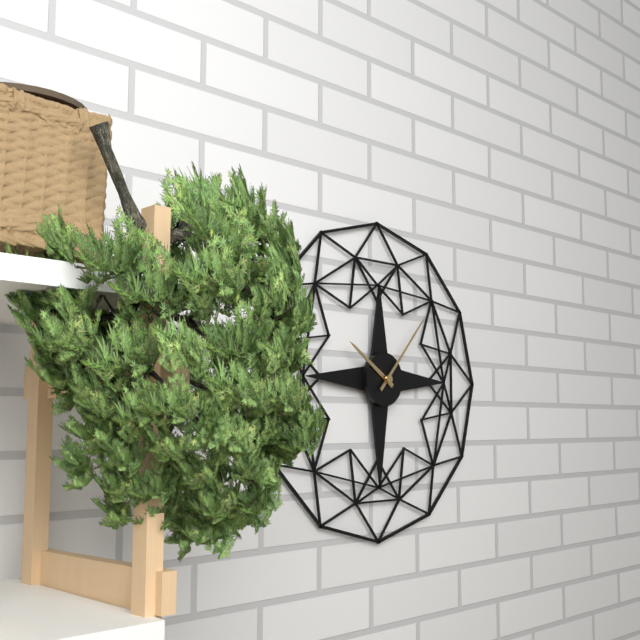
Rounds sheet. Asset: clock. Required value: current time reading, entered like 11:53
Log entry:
10:07
